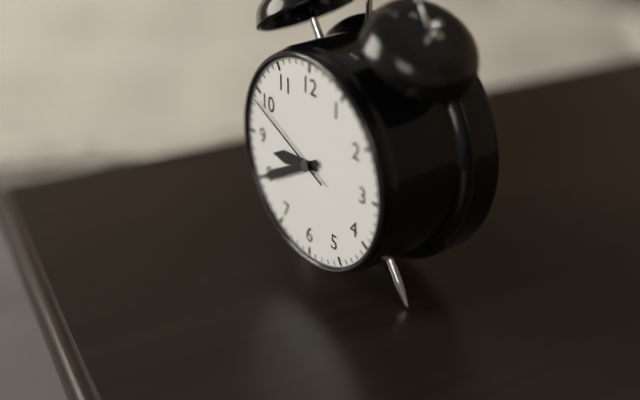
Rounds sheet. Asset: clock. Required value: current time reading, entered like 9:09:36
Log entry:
8:40:49
